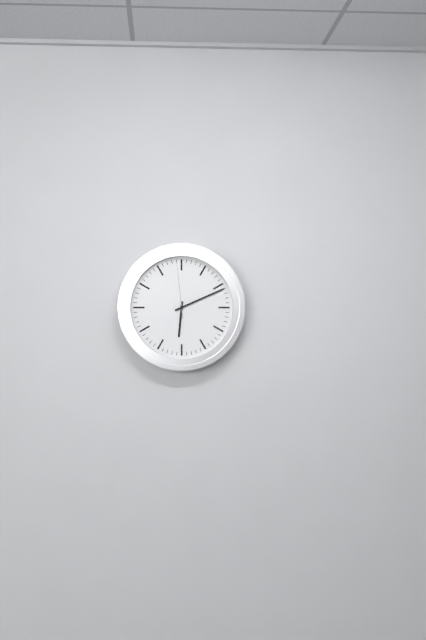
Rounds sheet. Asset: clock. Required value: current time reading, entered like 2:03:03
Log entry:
6:11:59
